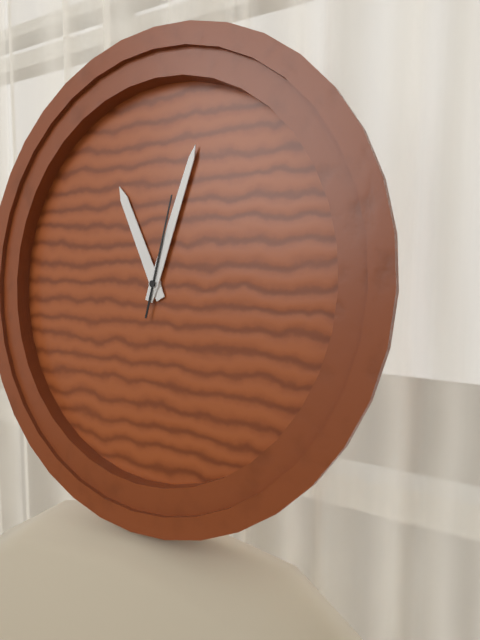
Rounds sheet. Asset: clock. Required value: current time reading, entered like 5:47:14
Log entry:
11:03:02
